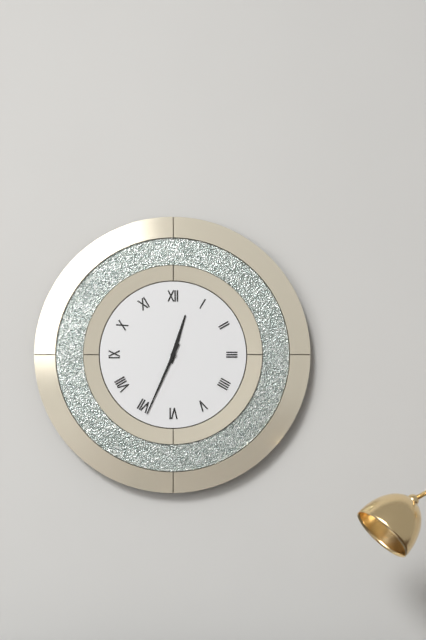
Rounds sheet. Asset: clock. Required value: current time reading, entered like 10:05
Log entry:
12:34
